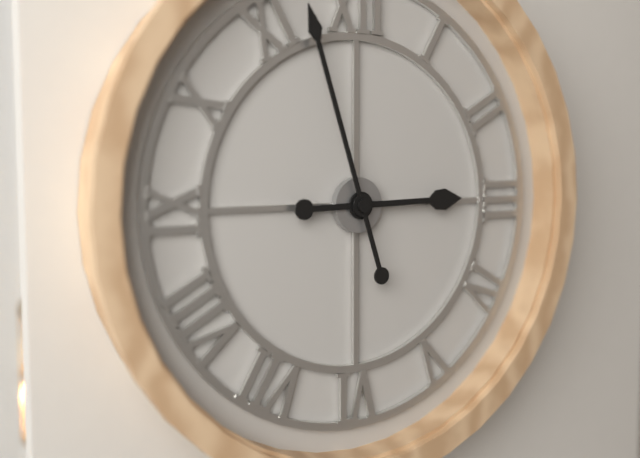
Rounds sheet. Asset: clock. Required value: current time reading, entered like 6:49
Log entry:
2:57
